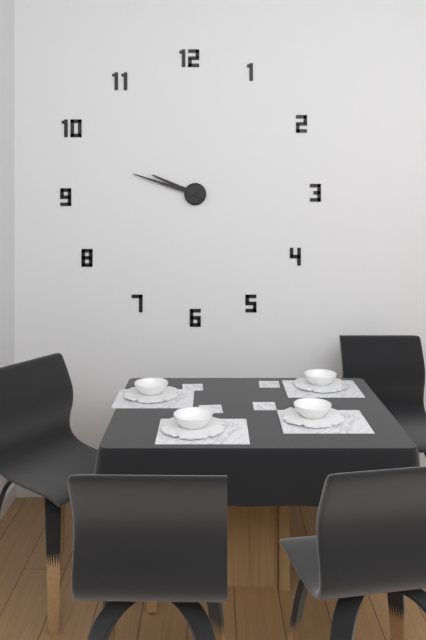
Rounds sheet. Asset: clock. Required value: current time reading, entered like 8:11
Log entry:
9:48
